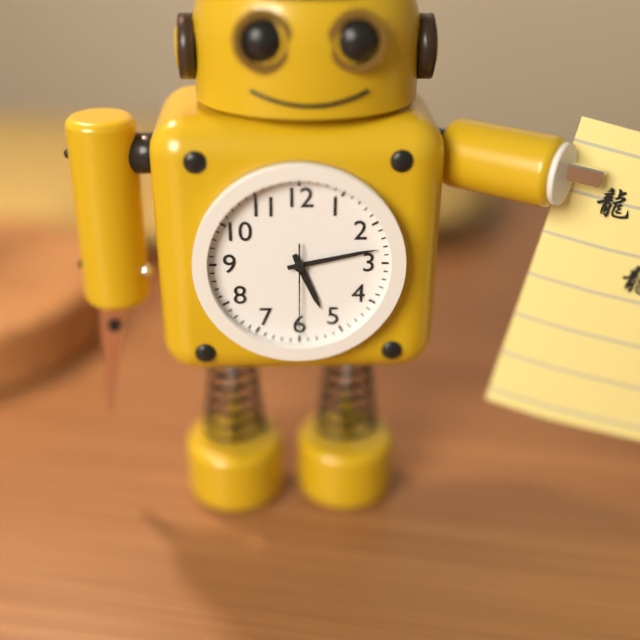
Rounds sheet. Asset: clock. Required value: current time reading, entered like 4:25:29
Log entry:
5:13:30
